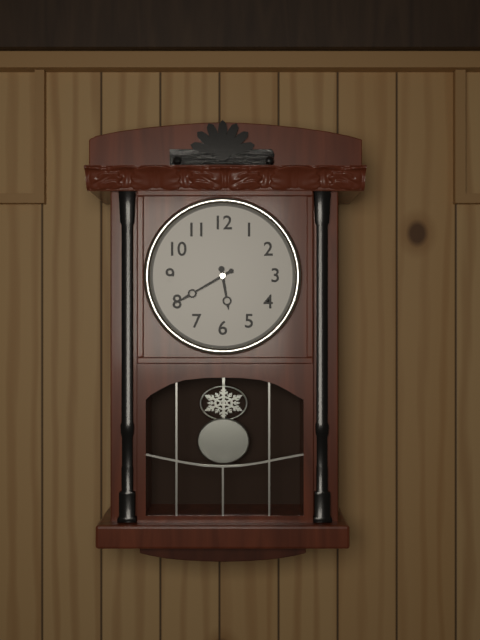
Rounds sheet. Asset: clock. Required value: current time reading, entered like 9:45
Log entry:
5:40
